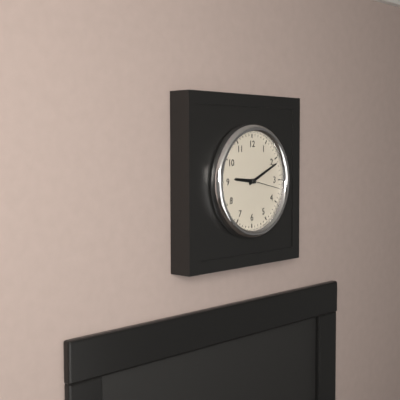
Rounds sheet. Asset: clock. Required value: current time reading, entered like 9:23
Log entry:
9:11
